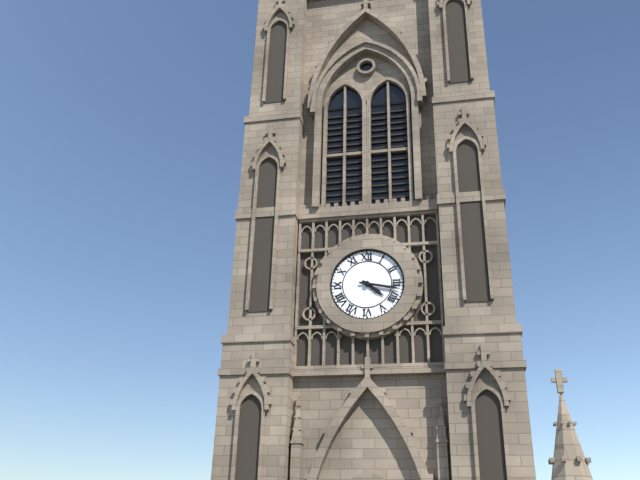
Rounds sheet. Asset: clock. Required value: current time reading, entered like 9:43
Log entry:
4:17
